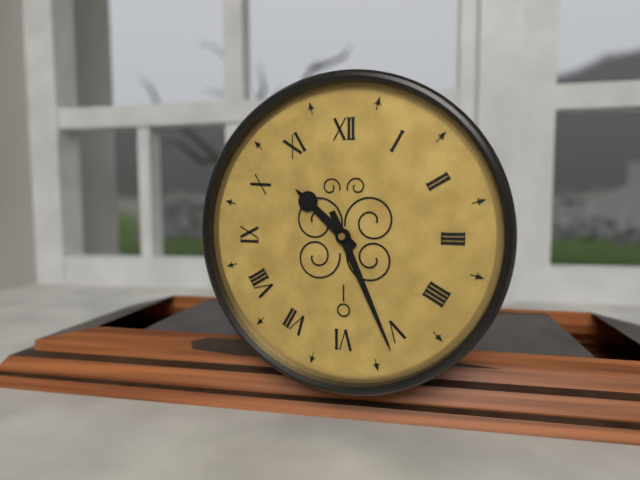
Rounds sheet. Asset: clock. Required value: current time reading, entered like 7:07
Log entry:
10:26
